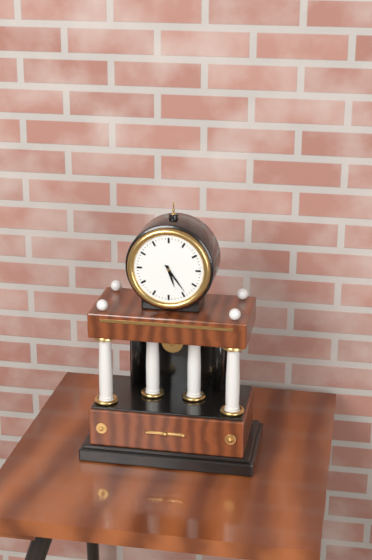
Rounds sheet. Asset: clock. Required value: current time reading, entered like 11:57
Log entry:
5:24
